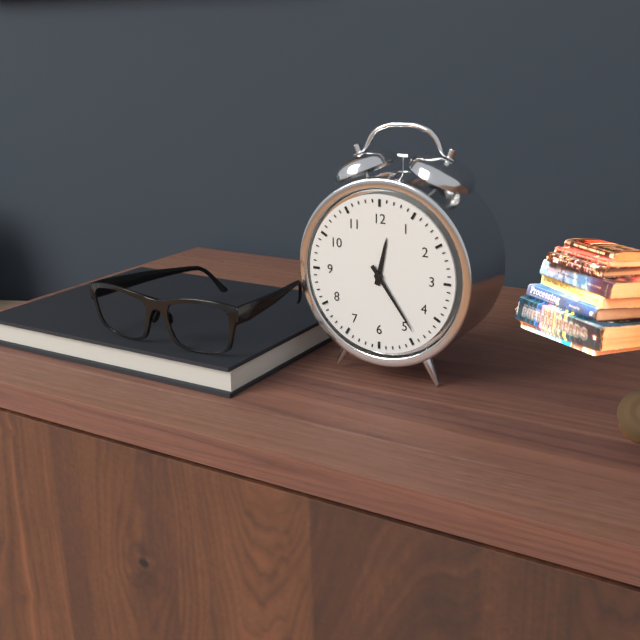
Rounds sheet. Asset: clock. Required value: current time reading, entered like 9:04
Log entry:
12:24
